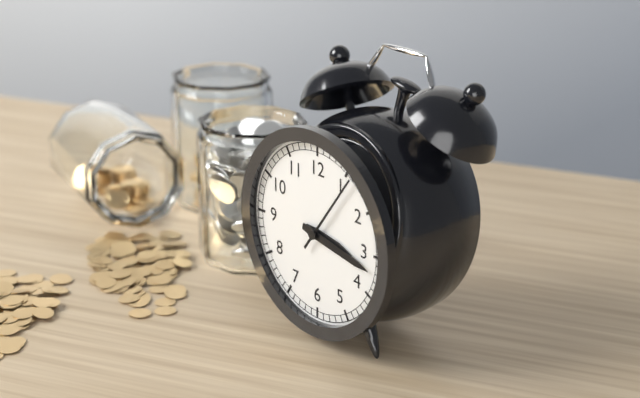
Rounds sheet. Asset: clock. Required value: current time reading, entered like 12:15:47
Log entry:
3:17:06
